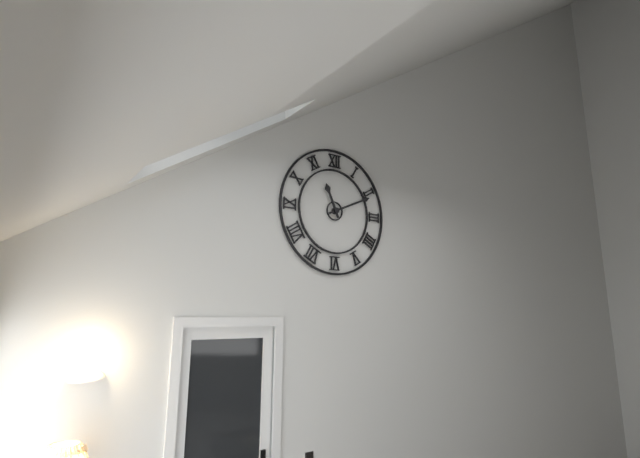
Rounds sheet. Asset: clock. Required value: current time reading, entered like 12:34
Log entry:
11:11
